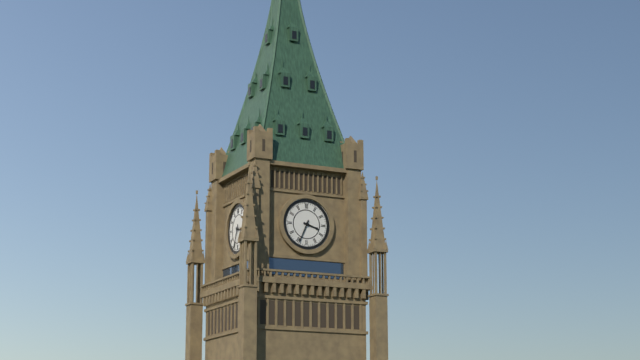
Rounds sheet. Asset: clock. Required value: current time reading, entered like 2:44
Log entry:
3:34
